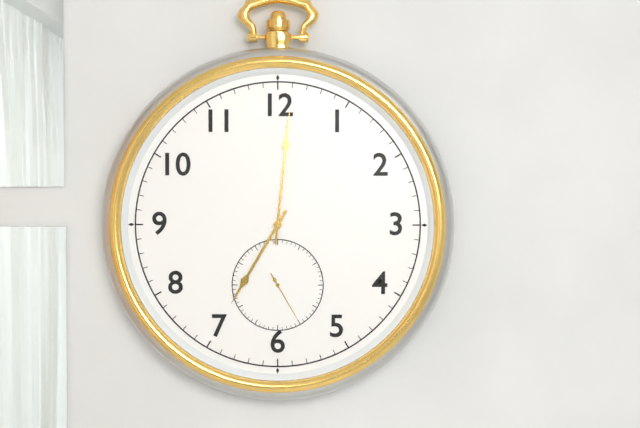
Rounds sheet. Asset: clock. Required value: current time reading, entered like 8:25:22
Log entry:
7:01:25
